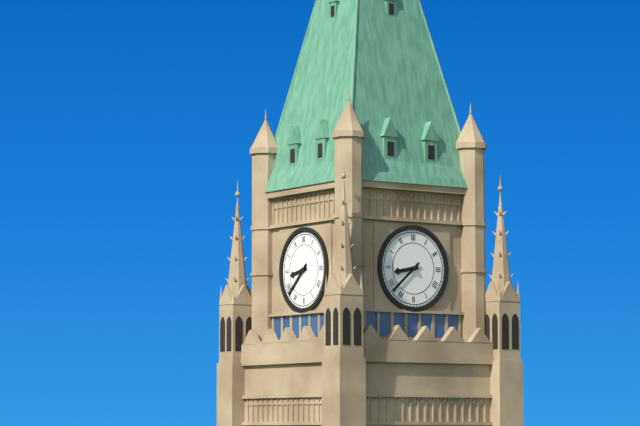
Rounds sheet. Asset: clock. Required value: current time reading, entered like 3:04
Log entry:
8:38
